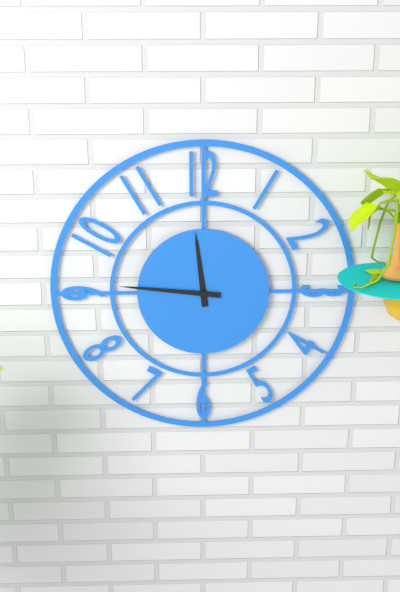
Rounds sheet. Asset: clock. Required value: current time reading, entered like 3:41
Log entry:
11:46
